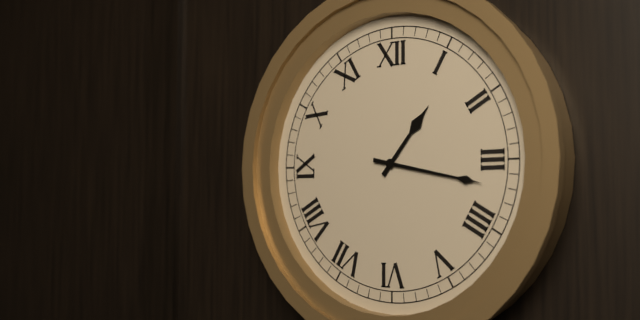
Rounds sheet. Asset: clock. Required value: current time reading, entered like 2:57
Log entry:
1:17
